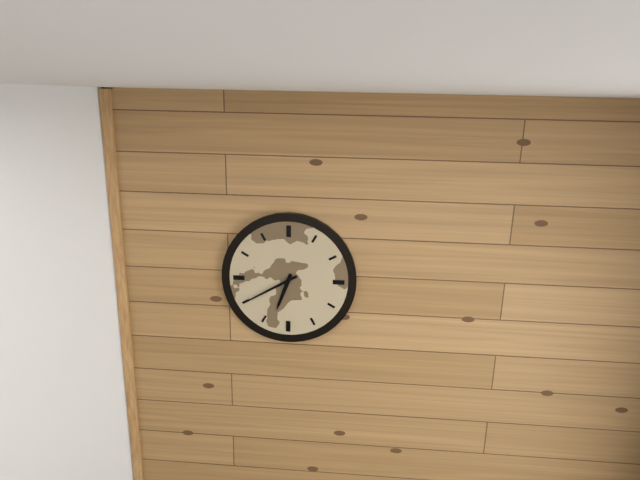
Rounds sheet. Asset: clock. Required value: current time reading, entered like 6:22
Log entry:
6:40
